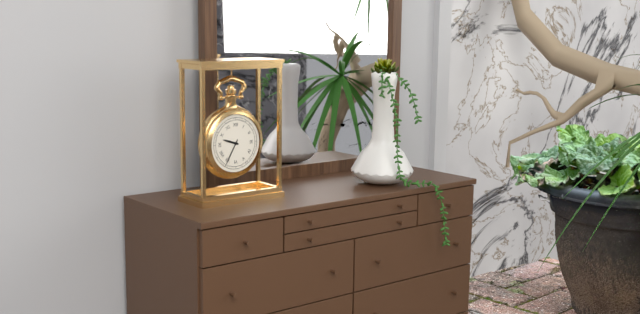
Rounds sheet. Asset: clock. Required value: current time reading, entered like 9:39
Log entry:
9:35
